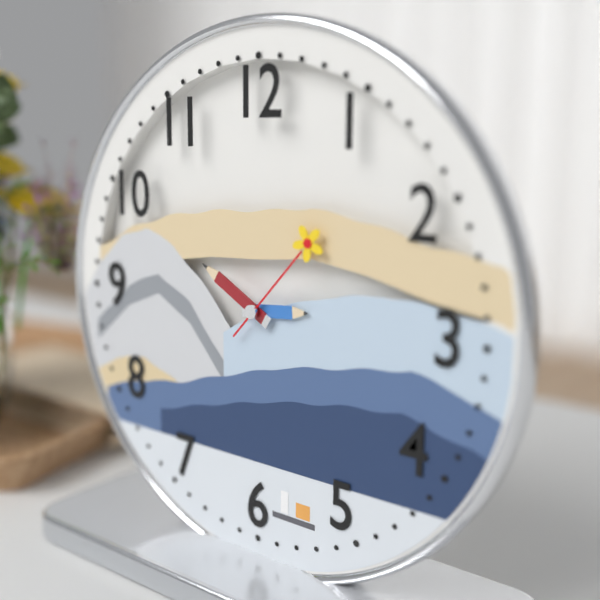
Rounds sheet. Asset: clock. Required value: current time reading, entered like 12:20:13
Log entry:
2:50:07
